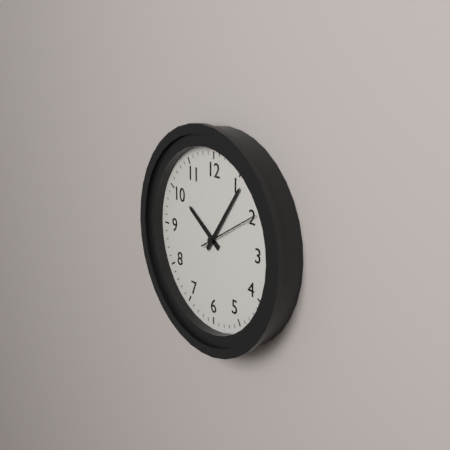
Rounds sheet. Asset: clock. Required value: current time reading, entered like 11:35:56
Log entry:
10:06:10
